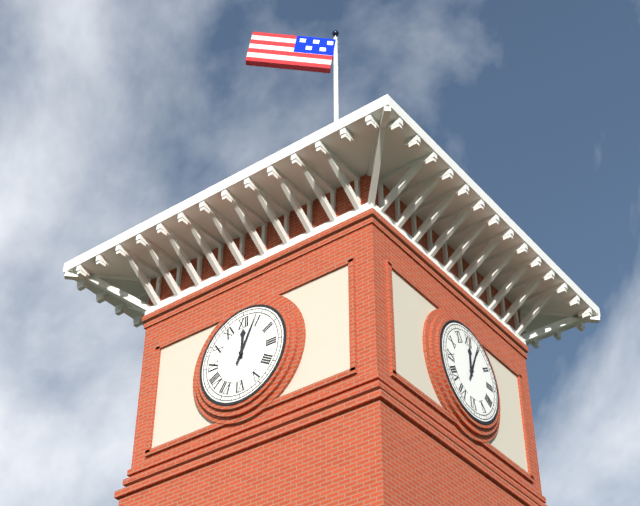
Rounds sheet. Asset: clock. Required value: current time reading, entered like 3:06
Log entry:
12:04
